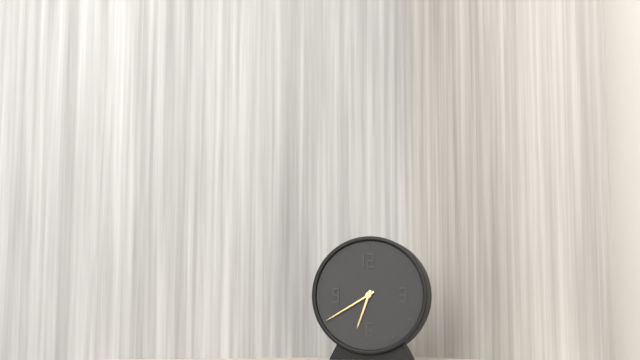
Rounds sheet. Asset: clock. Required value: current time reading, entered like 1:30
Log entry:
6:40
